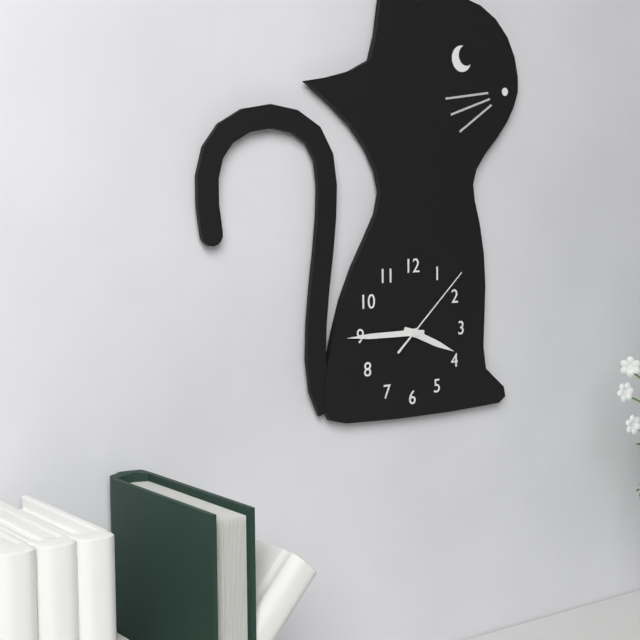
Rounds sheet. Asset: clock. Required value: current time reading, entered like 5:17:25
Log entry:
3:45:08
